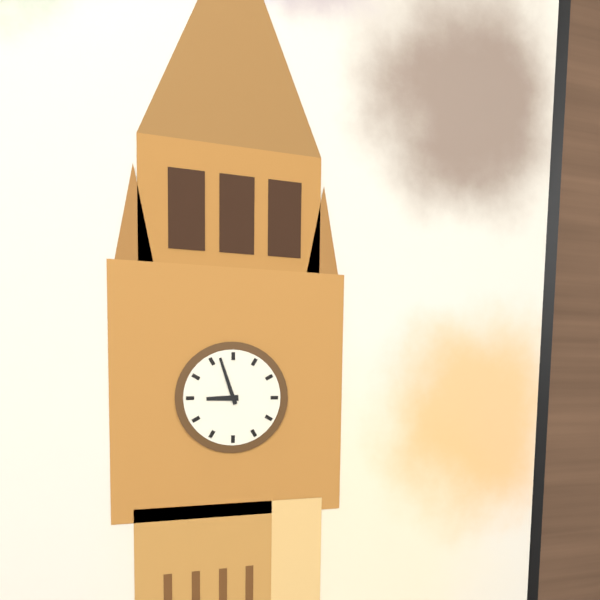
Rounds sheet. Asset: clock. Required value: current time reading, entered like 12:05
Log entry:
8:57
